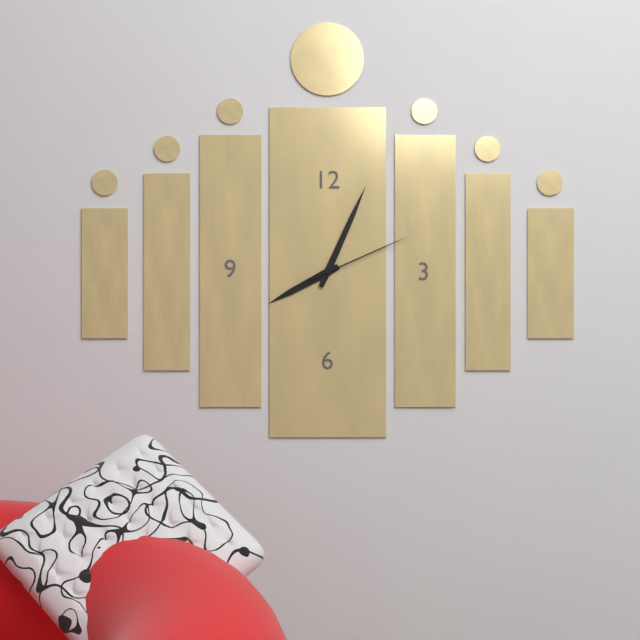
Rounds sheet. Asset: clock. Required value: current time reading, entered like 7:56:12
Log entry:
8:04:11
